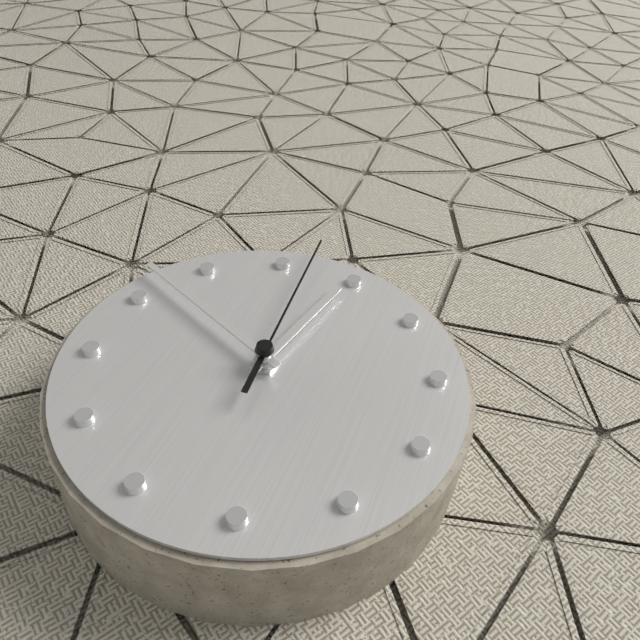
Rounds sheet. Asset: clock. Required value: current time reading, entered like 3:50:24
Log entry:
1:57:07
